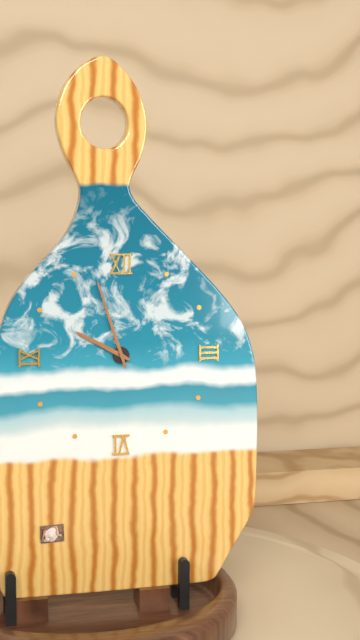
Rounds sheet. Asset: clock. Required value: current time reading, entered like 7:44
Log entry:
9:57
